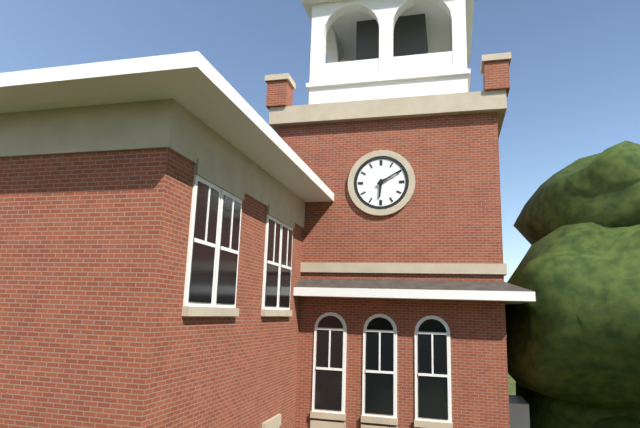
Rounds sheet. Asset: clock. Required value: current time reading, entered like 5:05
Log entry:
6:10
